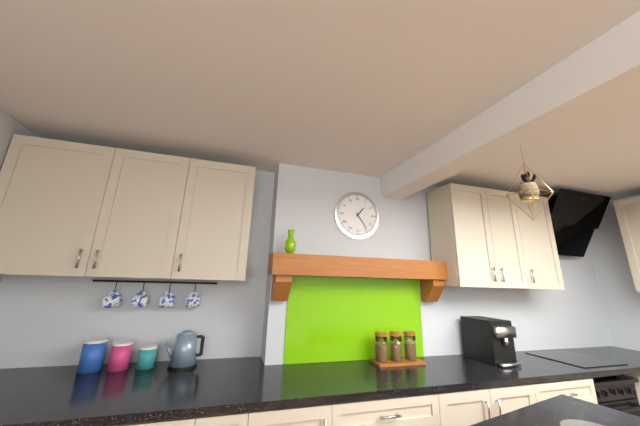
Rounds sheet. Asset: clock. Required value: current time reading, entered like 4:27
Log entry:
1:24
